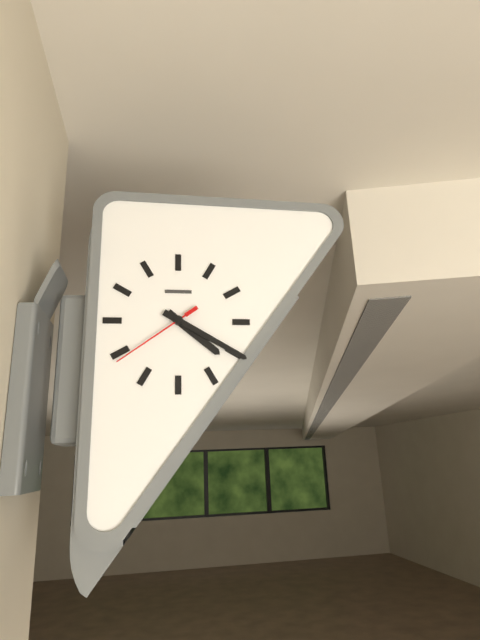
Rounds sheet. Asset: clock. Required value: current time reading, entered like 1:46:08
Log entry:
4:20:39
